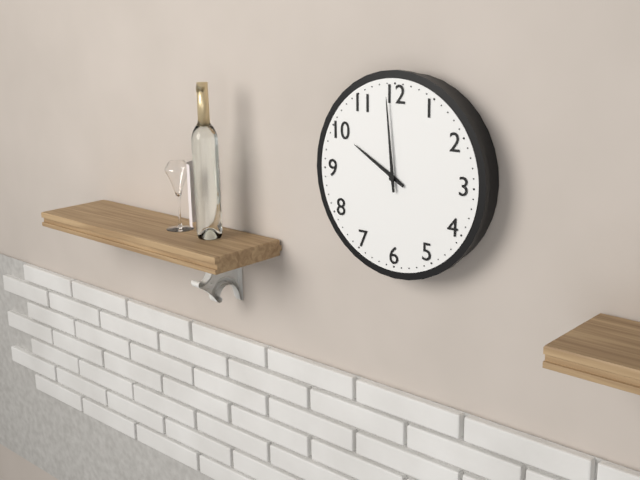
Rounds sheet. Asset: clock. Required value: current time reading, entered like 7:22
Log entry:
9:59
